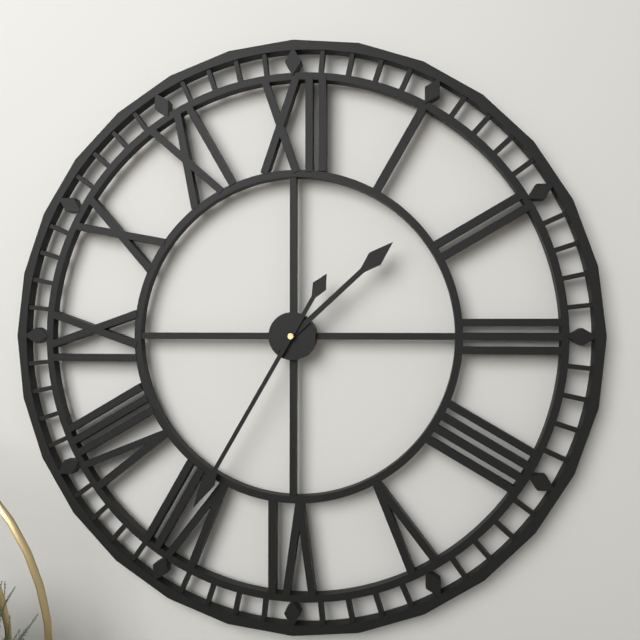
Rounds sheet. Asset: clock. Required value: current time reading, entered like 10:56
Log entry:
1:35
